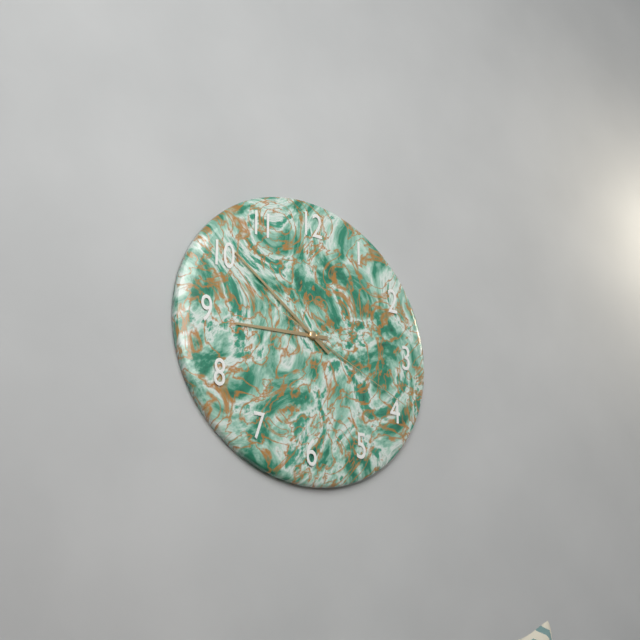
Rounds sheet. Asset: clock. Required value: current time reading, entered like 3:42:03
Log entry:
8:51:19
